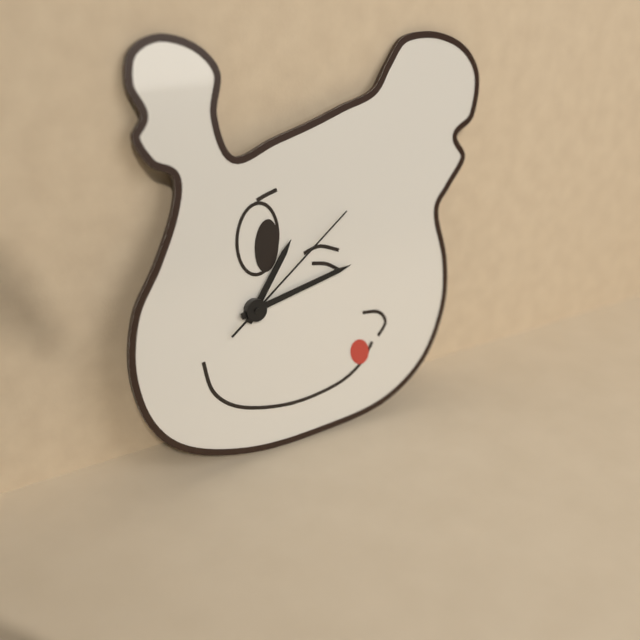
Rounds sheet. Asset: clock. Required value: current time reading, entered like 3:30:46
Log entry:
1:13:09
